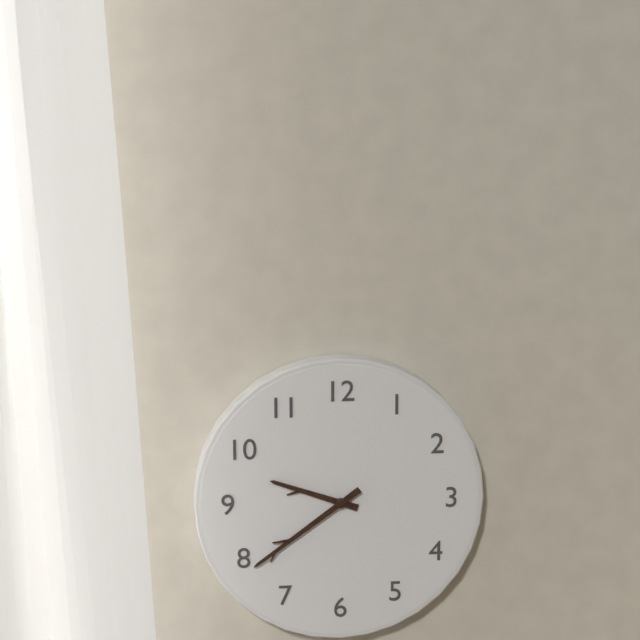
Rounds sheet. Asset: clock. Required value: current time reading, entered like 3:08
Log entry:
9:39
